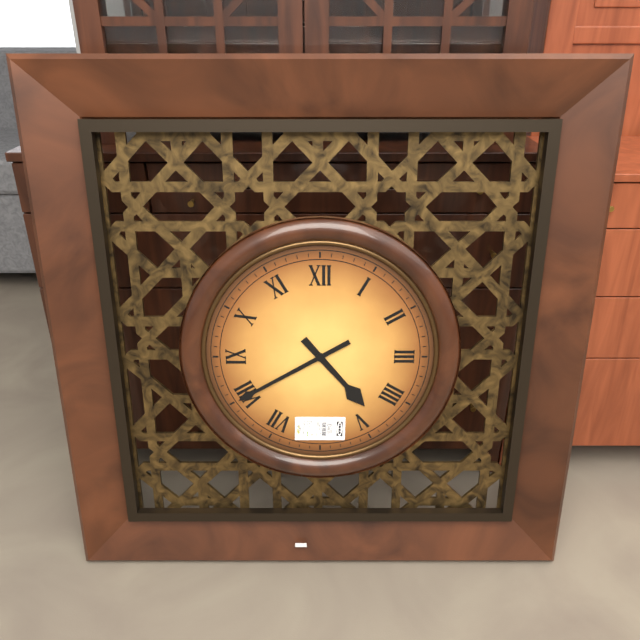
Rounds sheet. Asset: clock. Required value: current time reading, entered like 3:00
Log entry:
4:40
